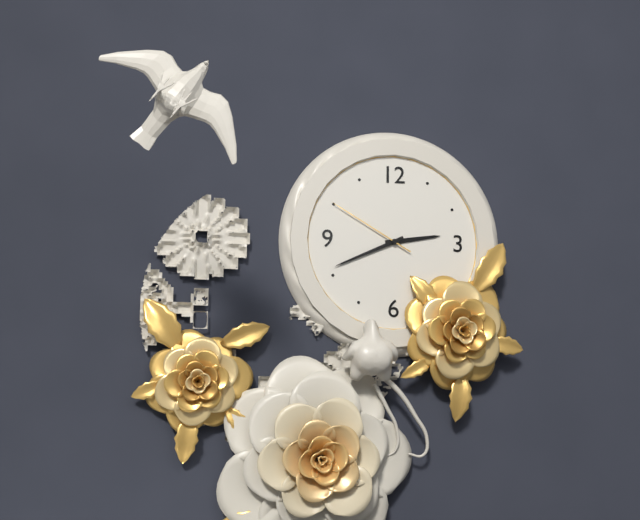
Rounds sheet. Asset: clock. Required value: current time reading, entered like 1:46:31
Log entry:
2:41:50
